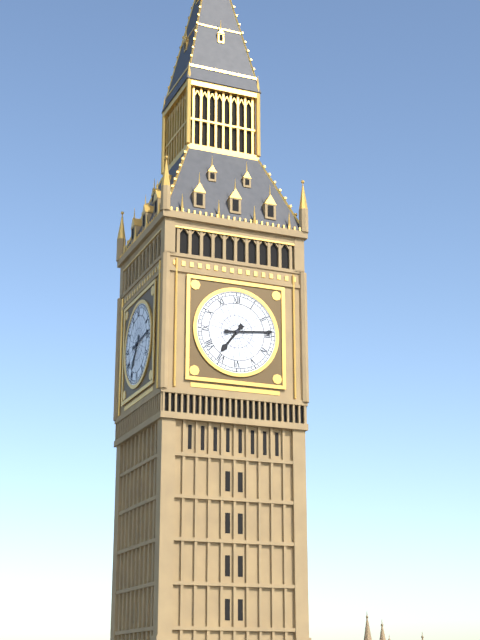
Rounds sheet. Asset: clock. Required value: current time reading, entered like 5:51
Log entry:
7:14
